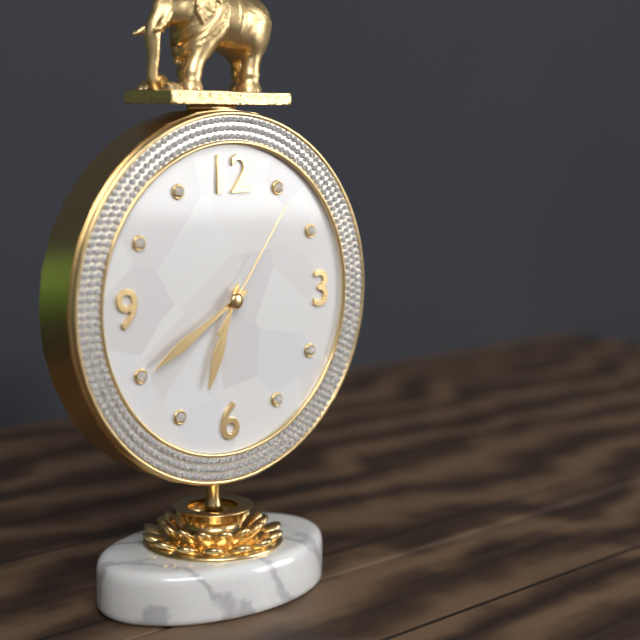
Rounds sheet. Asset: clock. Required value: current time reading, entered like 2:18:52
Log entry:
6:40:06
